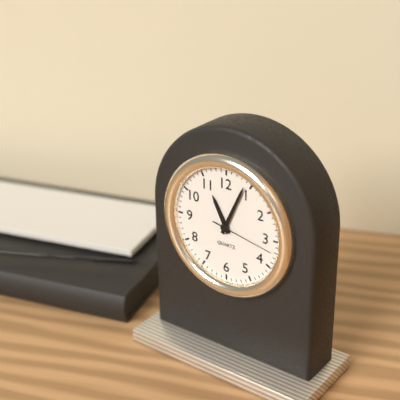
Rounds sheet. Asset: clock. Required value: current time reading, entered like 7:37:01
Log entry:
11:04:17
